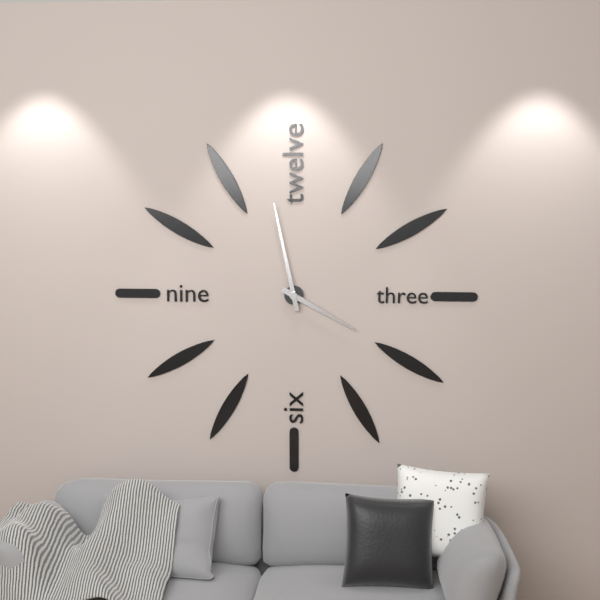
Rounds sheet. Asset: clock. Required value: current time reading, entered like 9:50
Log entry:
3:58
